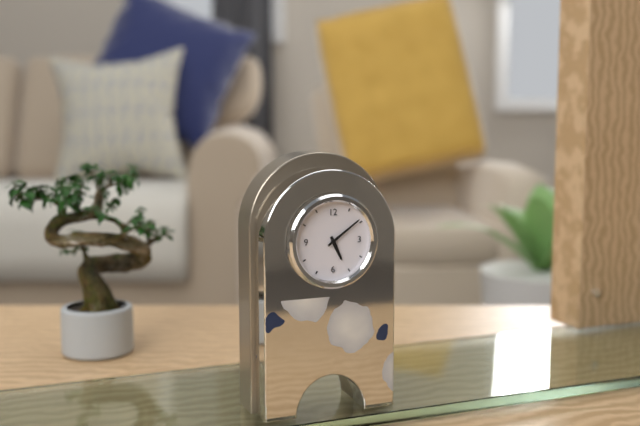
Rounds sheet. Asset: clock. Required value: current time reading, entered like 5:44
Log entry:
5:09
